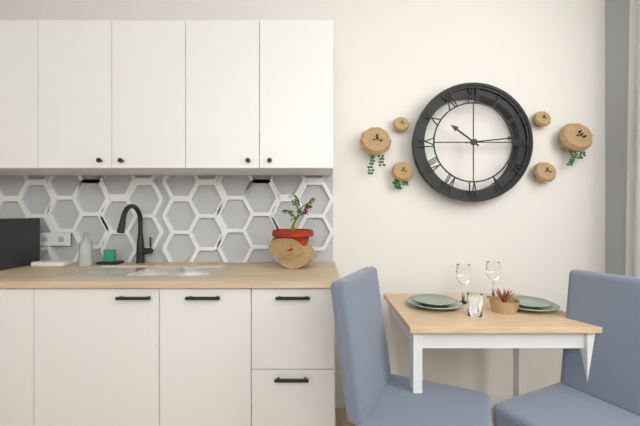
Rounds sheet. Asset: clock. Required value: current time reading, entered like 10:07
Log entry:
10:14
